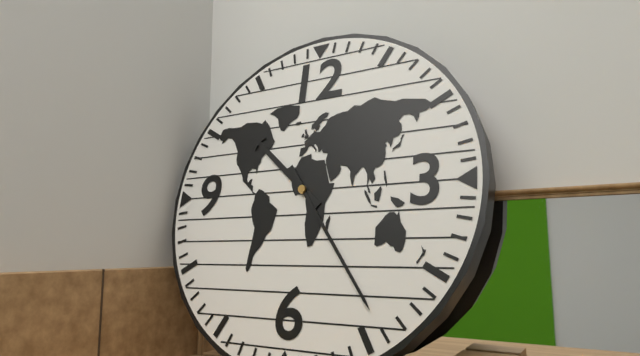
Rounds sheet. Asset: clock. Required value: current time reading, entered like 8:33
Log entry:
10:24
